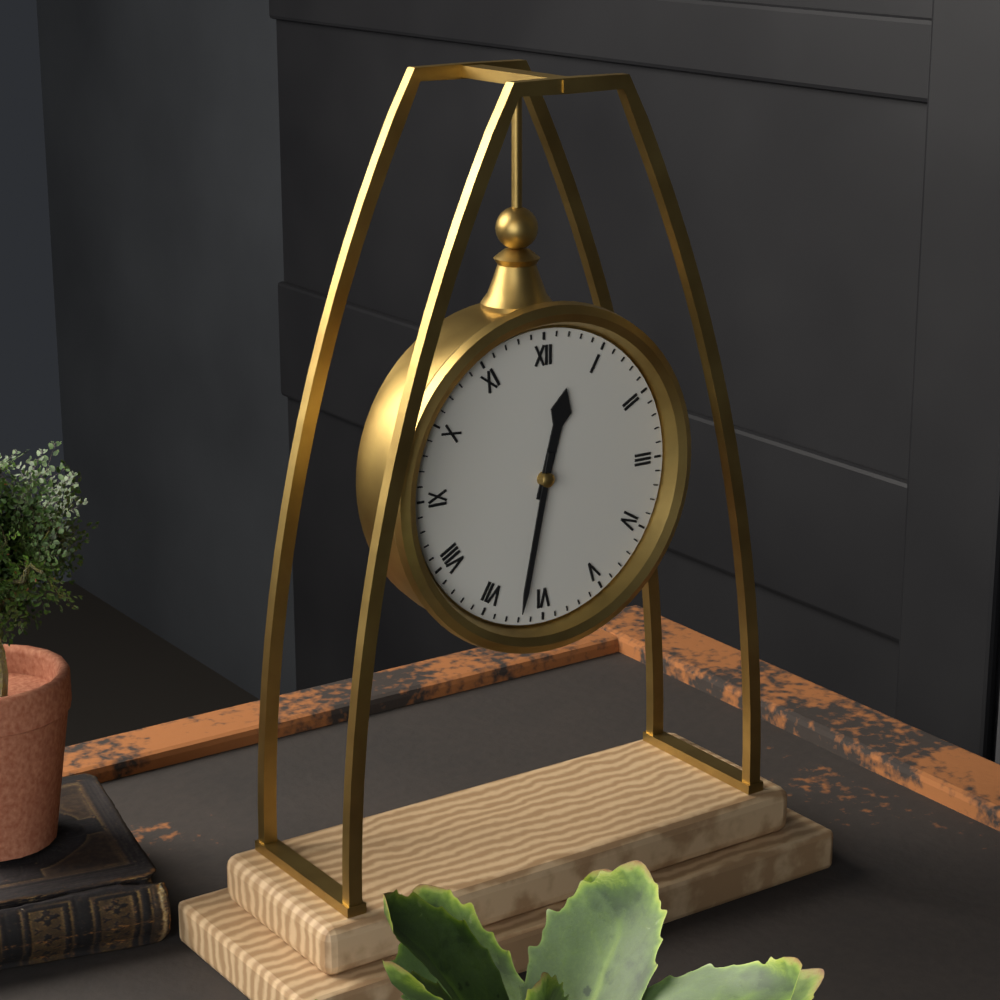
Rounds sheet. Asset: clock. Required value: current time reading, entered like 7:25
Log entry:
12:32
